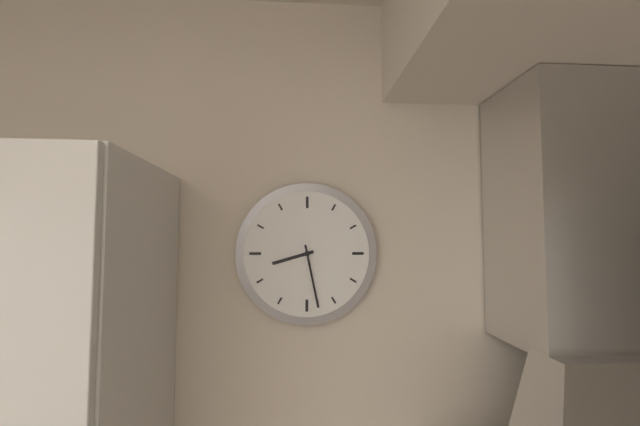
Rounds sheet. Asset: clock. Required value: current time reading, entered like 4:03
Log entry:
8:28
